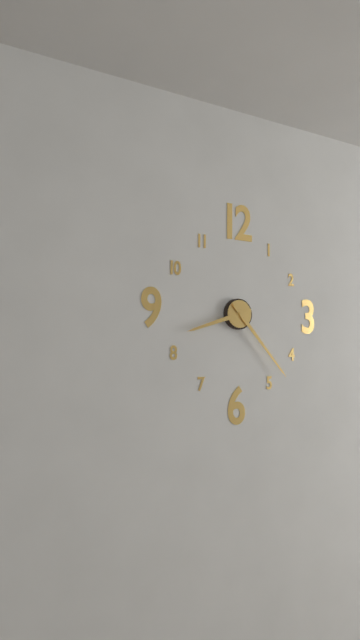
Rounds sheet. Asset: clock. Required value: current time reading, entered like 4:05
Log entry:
8:23
